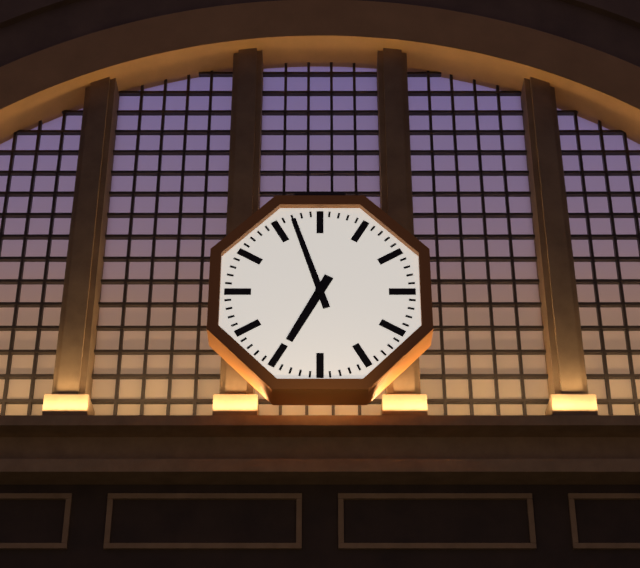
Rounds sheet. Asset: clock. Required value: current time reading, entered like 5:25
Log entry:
6:57
